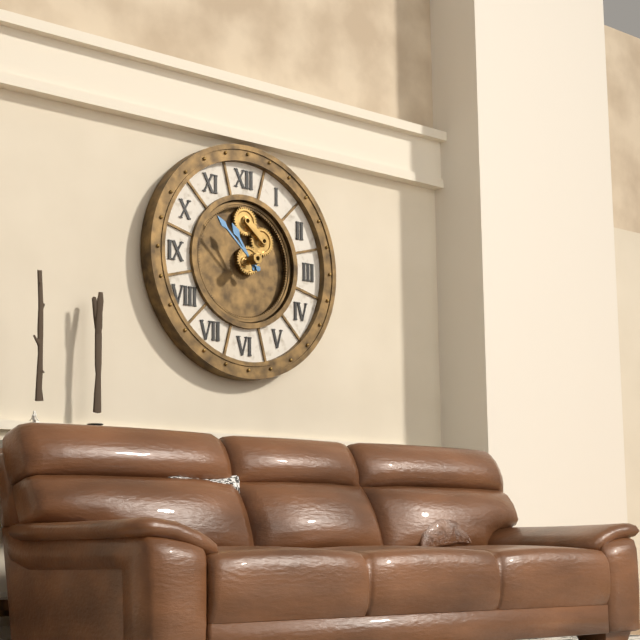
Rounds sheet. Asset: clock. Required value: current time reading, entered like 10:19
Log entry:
10:52
